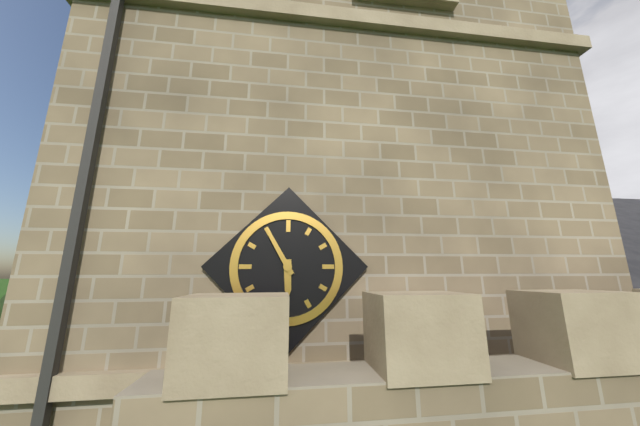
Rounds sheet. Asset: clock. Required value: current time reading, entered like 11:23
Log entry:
5:55
